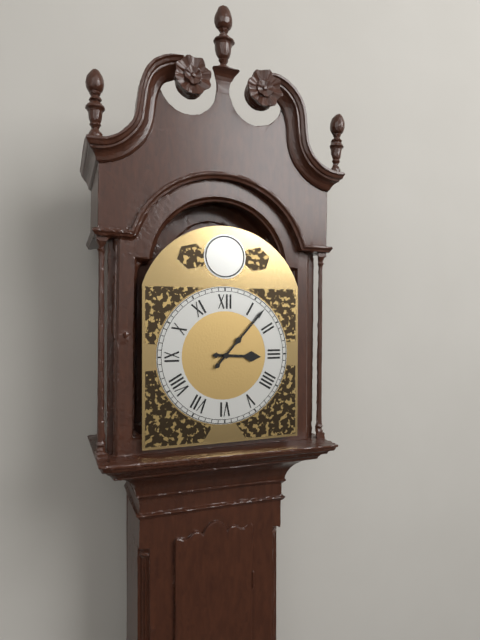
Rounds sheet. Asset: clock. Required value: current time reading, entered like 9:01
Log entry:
3:07
